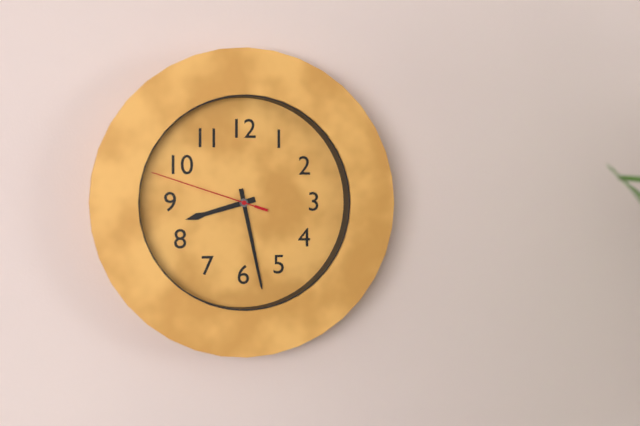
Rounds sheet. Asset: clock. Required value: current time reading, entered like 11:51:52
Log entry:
8:28:48
